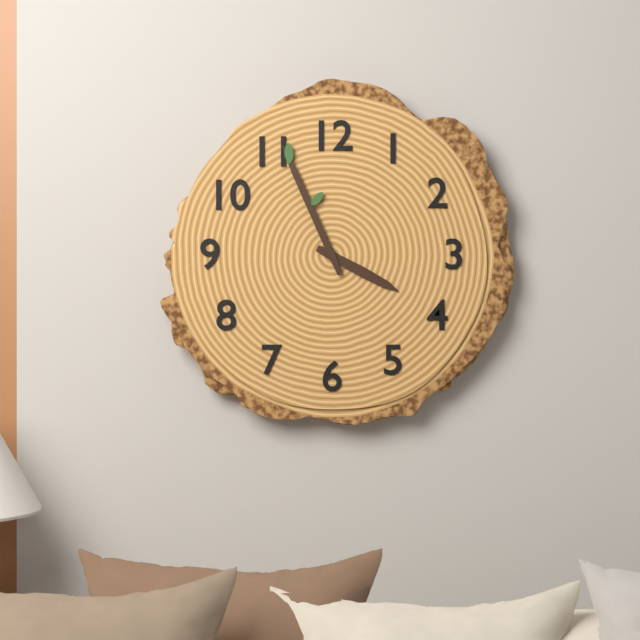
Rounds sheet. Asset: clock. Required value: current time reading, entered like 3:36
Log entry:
3:56
